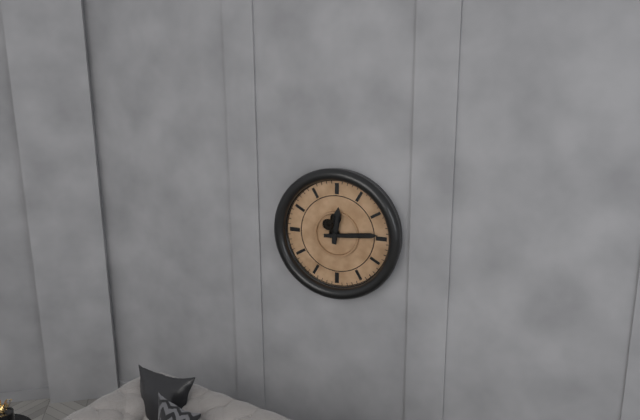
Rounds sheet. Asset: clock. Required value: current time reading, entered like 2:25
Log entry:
12:14
